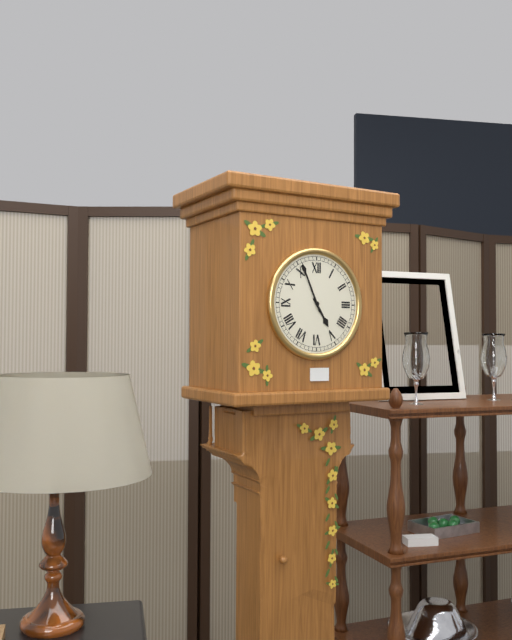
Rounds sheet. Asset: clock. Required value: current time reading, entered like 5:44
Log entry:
4:56
